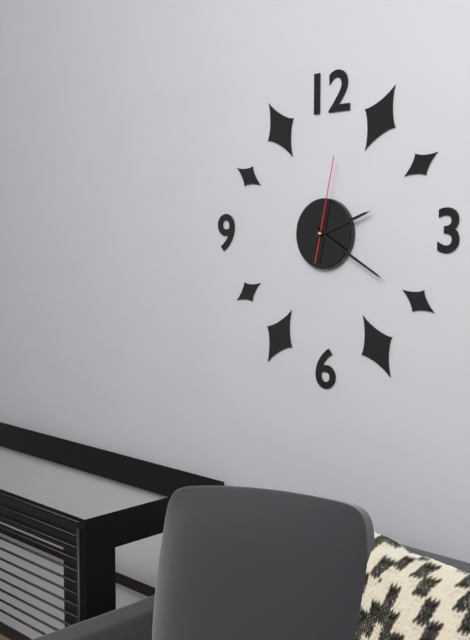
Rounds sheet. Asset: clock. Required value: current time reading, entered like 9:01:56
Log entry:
2:20:02
